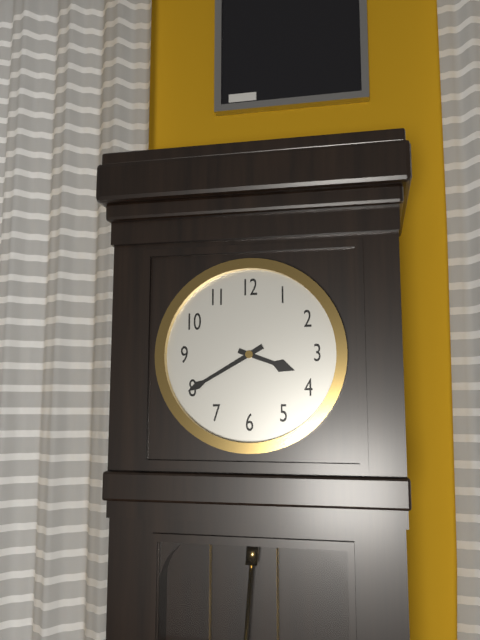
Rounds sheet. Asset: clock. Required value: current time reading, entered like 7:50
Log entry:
3:40
